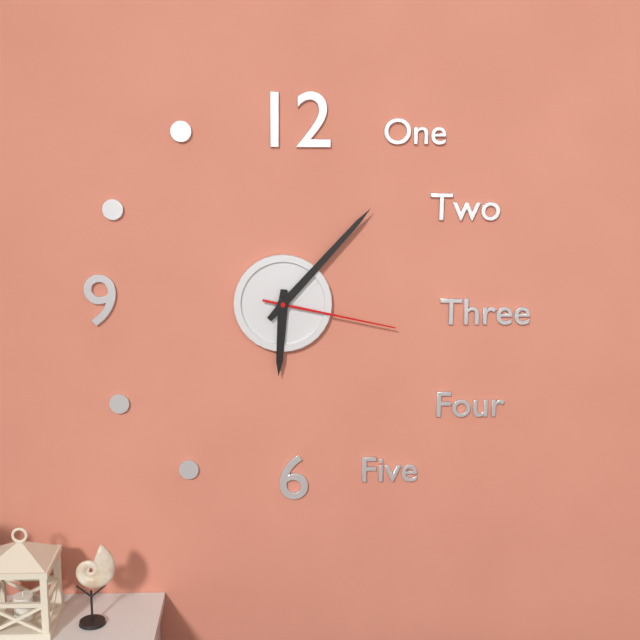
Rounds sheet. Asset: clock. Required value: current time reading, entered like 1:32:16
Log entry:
6:07:17
